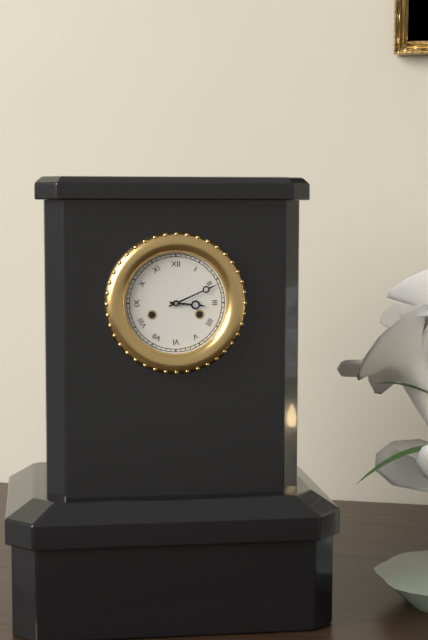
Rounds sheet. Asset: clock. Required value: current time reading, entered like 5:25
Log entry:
3:11
